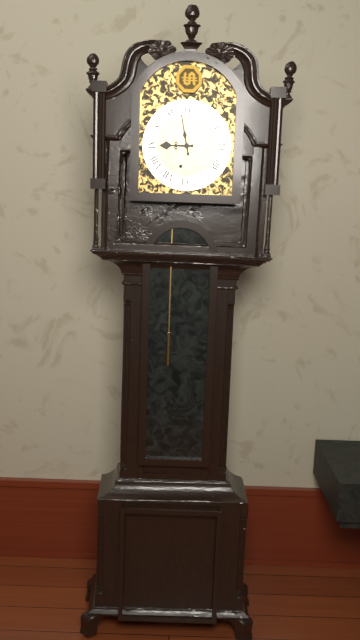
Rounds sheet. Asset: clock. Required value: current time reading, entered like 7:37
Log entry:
8:58
